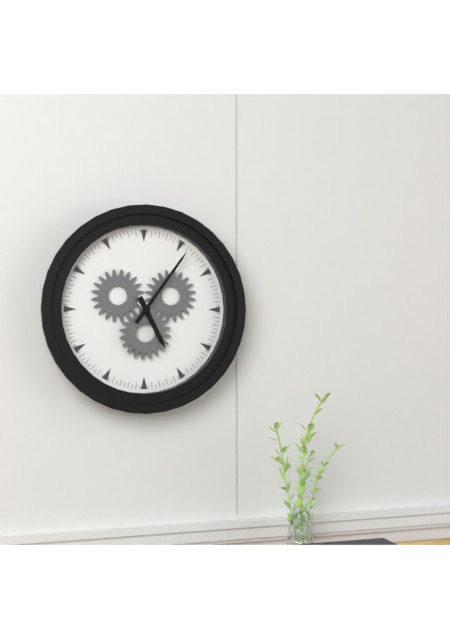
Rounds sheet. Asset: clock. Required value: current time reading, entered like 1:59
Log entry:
5:06
